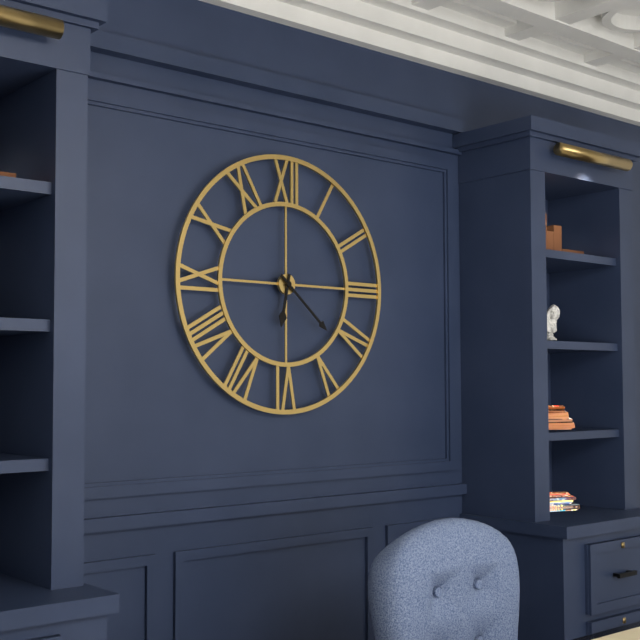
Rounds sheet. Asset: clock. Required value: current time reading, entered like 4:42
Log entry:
6:22
